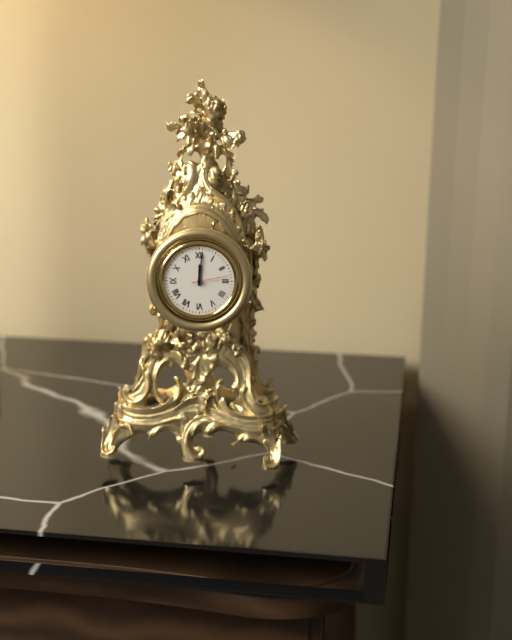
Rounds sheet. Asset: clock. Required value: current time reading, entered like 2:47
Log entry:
12:01
